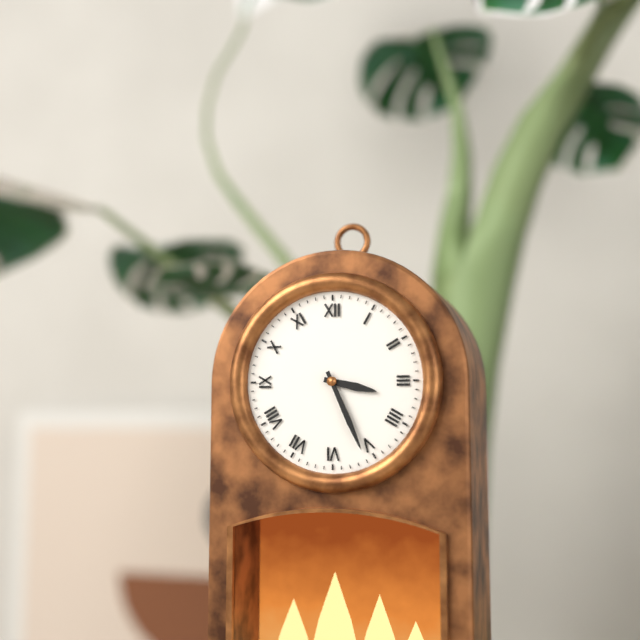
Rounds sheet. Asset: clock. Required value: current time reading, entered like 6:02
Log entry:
3:26
